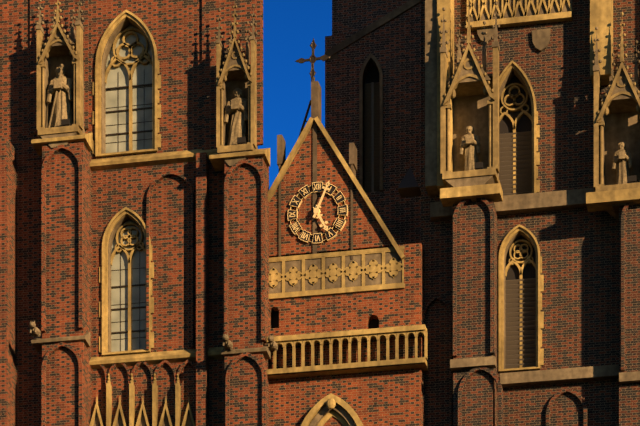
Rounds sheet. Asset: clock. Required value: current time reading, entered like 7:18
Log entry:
5:04
